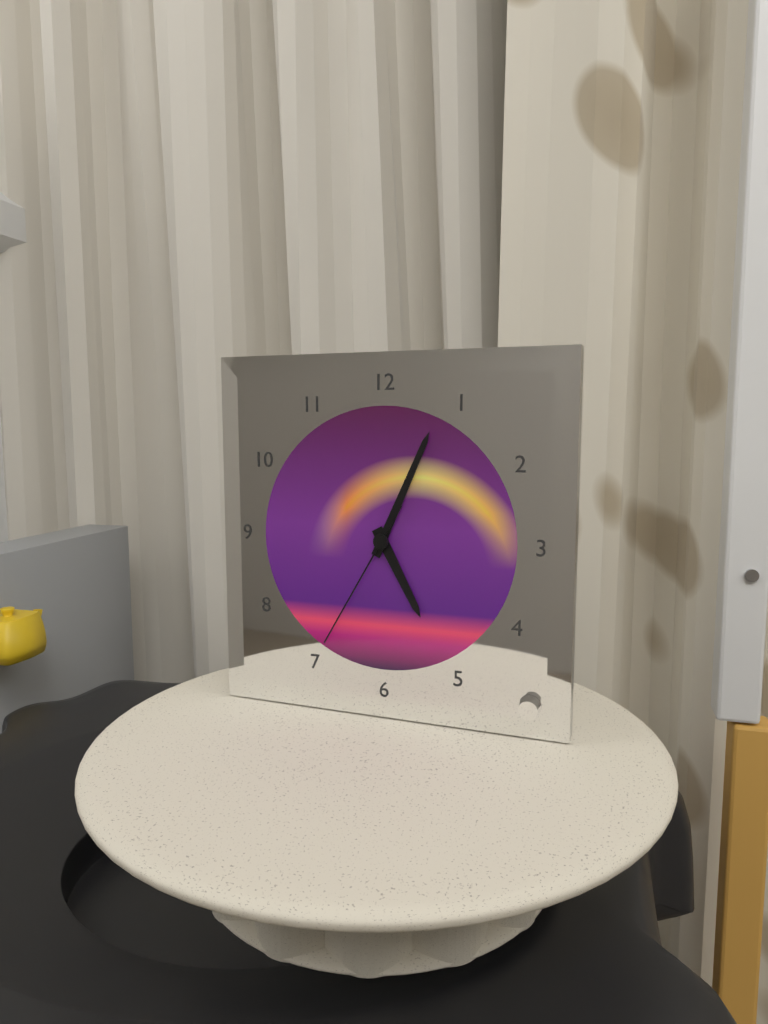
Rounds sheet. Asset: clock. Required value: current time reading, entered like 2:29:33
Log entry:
5:04:35
